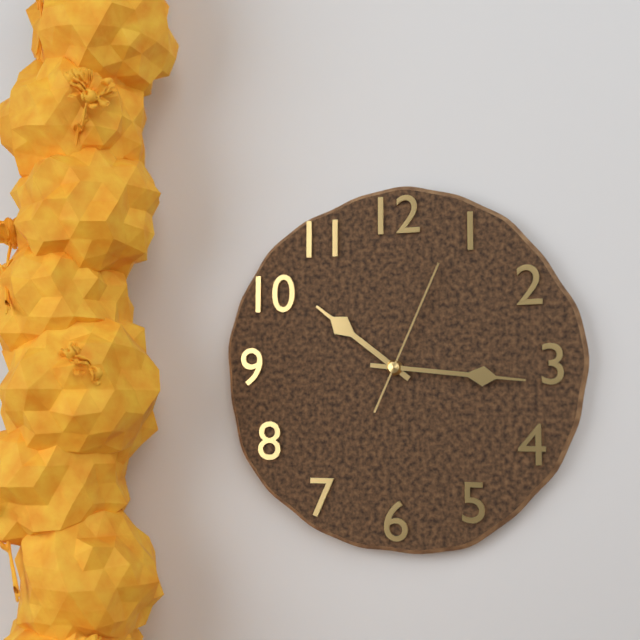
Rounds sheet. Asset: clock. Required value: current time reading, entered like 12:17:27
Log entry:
10:16:04
